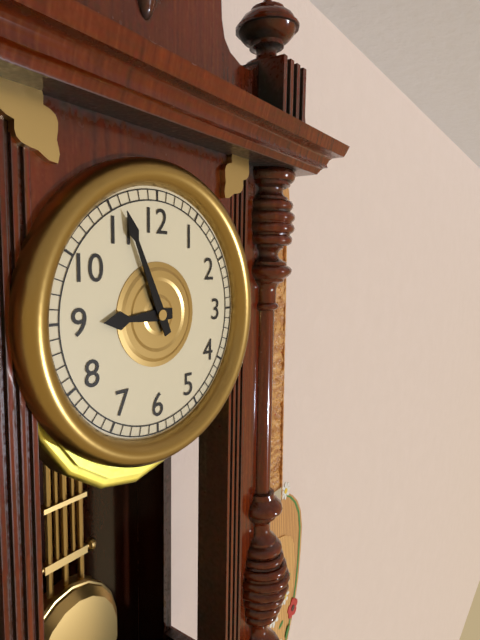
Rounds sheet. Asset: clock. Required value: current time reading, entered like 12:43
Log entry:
8:56
